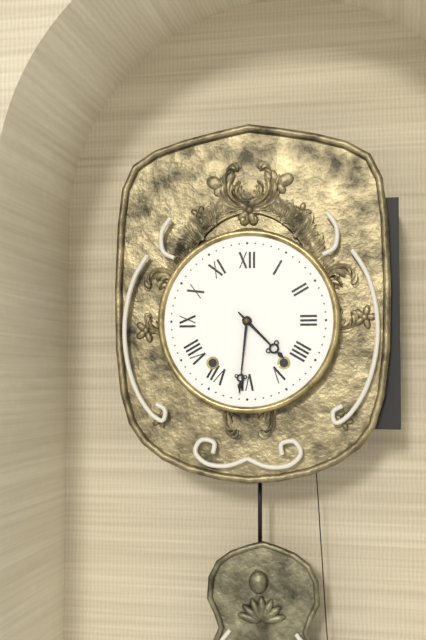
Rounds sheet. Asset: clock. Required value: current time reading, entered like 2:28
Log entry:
4:31
